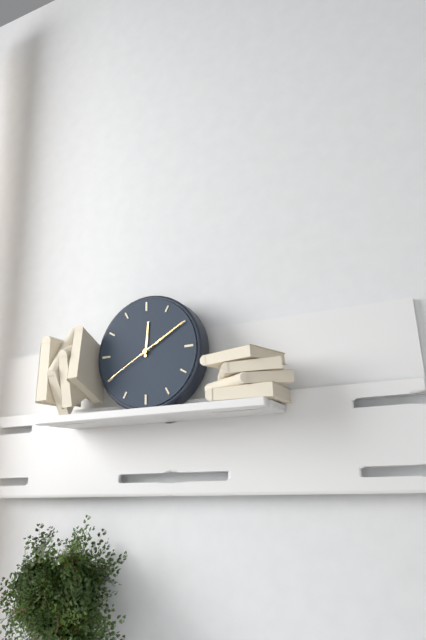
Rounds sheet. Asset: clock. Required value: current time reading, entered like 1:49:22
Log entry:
12:10:40
